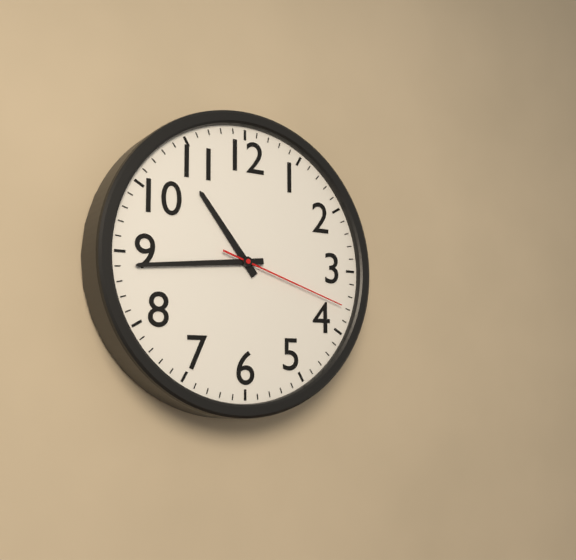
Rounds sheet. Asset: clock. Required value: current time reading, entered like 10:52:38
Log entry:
10:44:18
